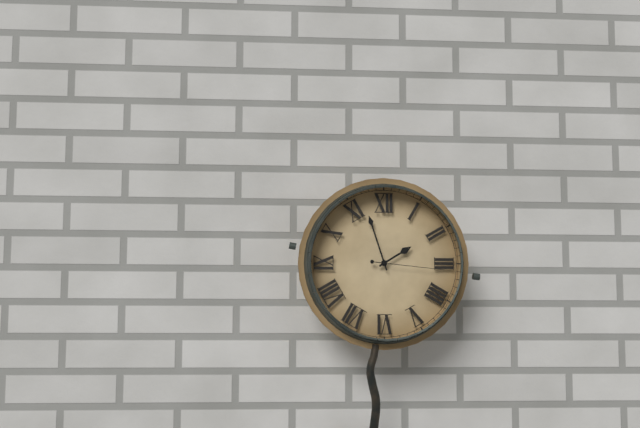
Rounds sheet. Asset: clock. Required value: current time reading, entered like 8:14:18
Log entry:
1:57:16
